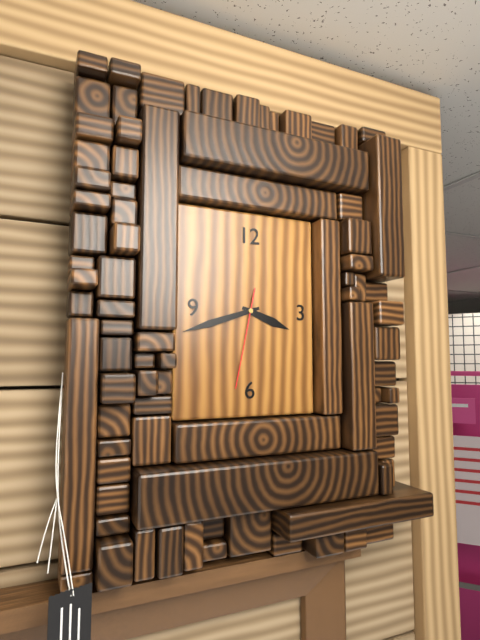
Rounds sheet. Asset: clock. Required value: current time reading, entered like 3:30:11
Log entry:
3:42:32
